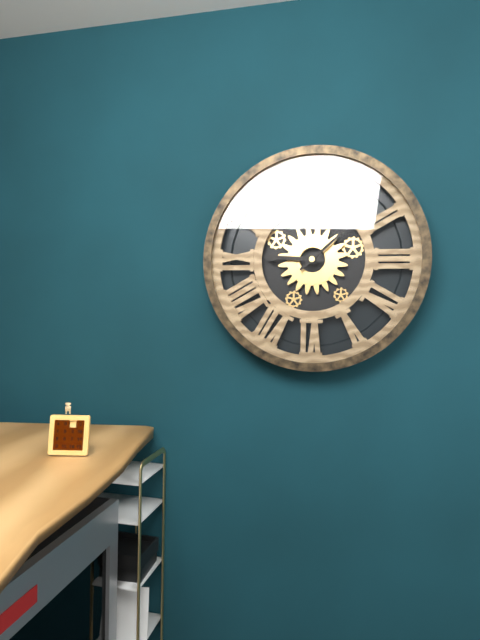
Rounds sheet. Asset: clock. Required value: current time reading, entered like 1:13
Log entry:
9:08
